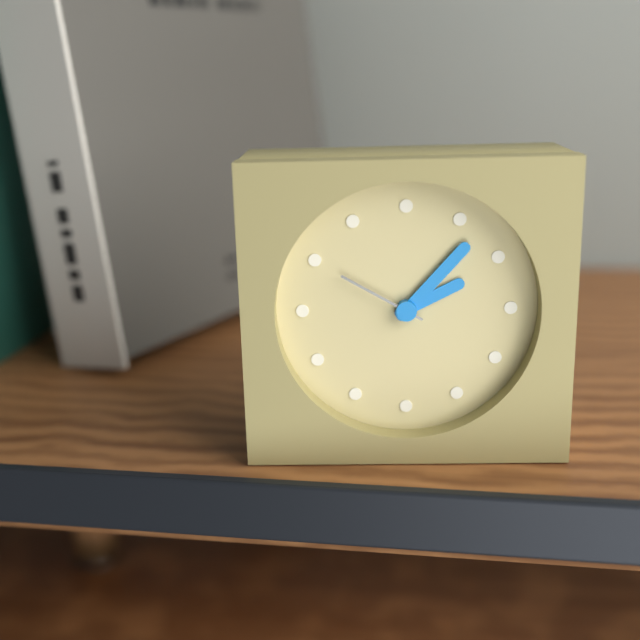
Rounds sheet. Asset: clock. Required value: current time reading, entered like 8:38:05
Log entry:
2:07:50
